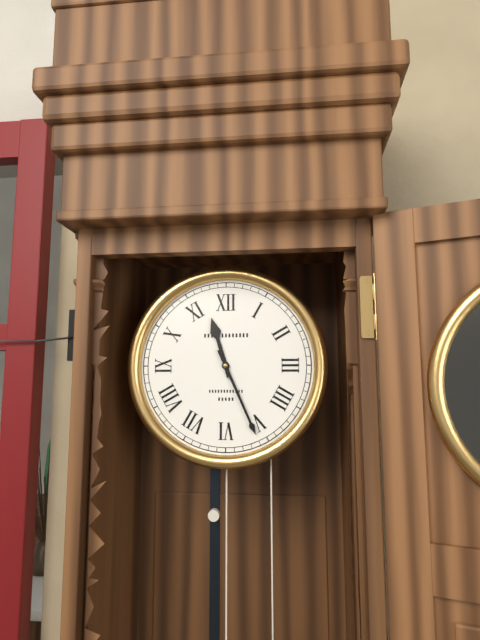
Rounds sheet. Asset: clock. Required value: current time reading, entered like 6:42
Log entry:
11:26
